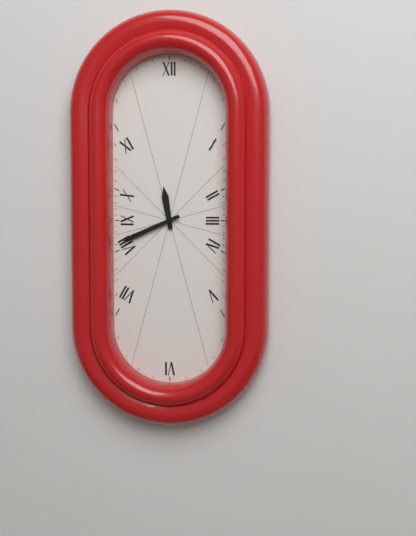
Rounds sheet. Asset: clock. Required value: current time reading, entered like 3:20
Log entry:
11:41
